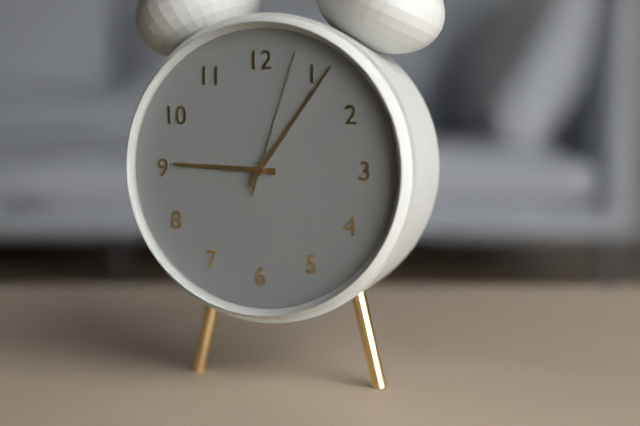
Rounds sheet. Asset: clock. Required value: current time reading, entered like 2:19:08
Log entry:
9:06:03
